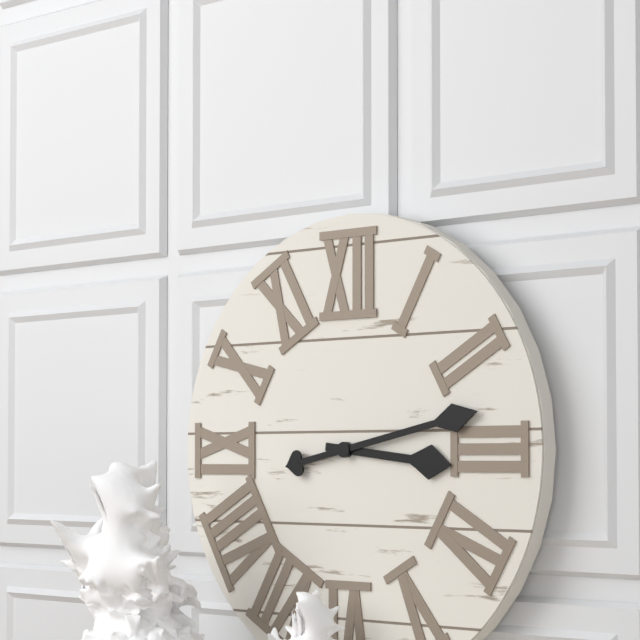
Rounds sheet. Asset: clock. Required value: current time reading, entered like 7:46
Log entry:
3:13
